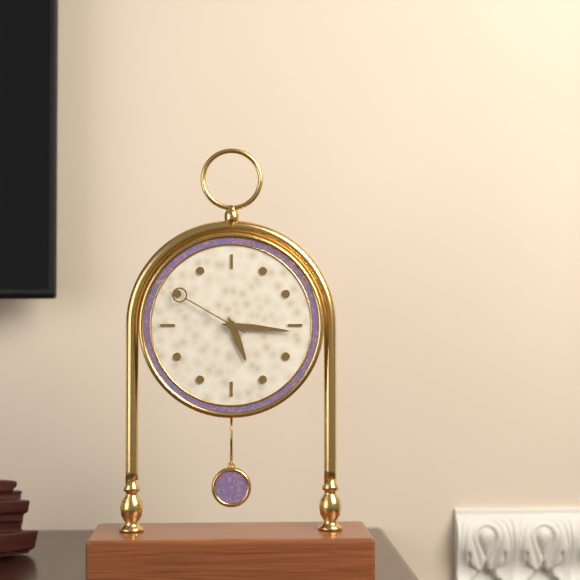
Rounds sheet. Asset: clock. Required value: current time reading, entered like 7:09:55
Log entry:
5:16:50
